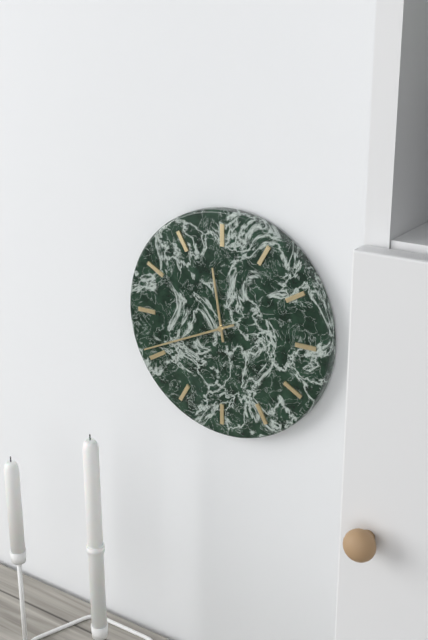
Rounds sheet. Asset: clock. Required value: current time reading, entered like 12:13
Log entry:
11:41
